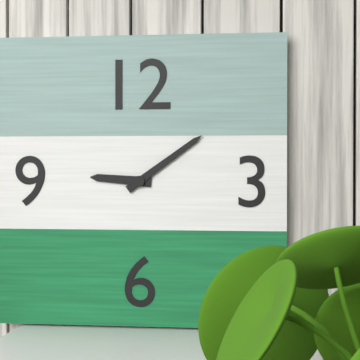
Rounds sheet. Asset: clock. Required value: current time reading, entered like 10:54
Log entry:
9:09
